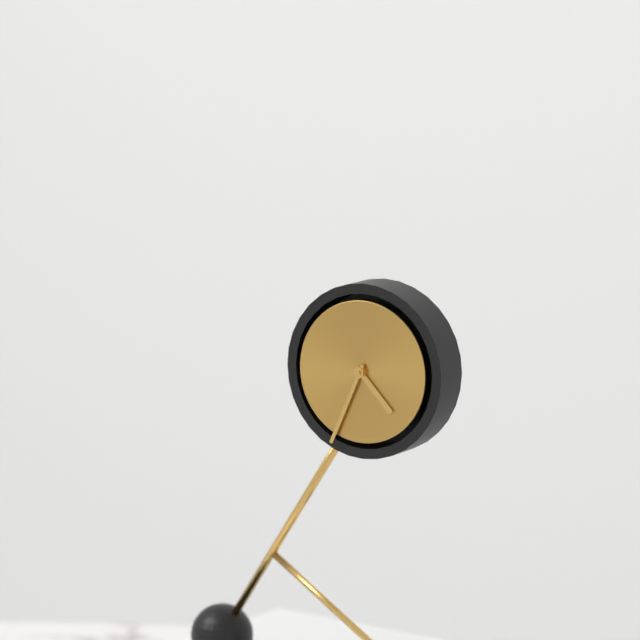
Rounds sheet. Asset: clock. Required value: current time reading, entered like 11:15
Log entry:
4:34
